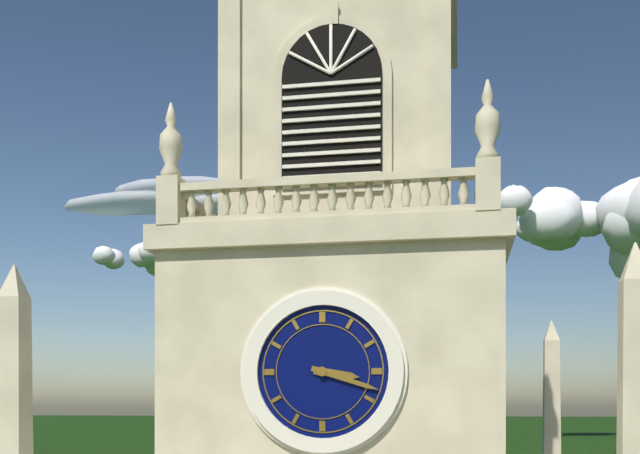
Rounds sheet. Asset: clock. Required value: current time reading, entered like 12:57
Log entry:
3:18
